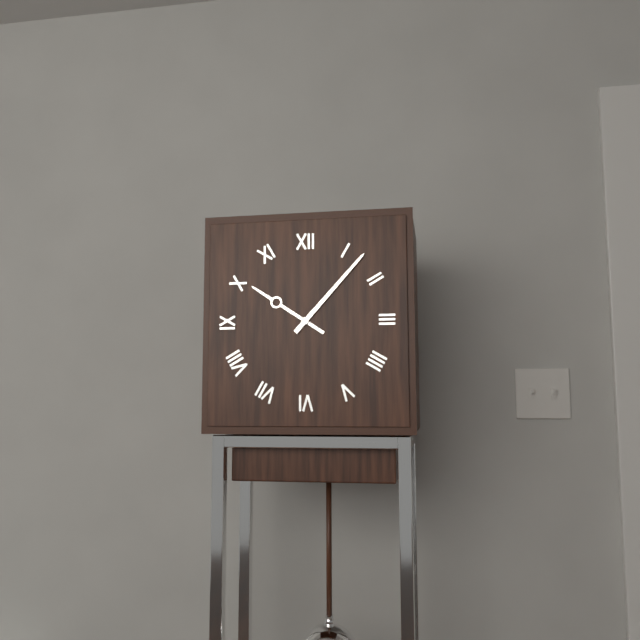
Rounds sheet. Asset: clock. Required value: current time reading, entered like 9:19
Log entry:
10:07
